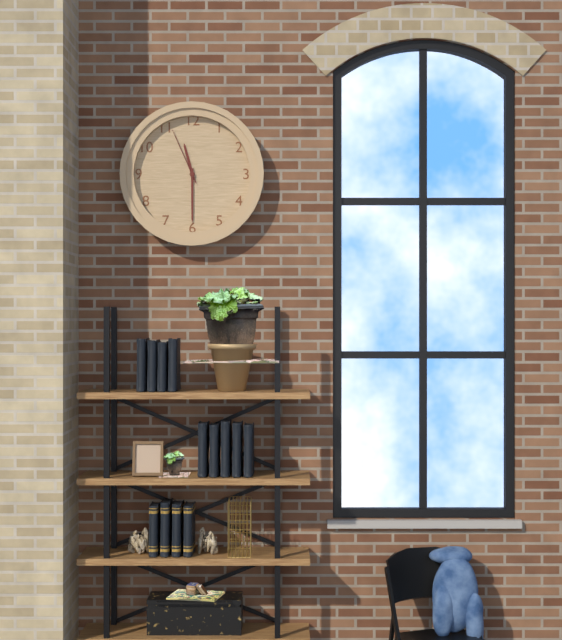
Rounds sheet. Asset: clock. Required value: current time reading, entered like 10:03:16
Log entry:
11:30:56
